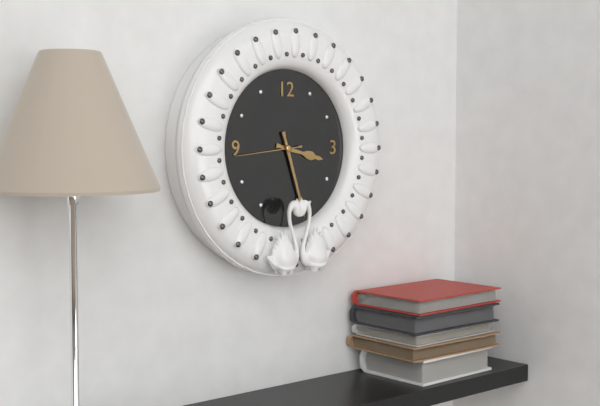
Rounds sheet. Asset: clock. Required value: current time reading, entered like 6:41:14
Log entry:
3:27:44
